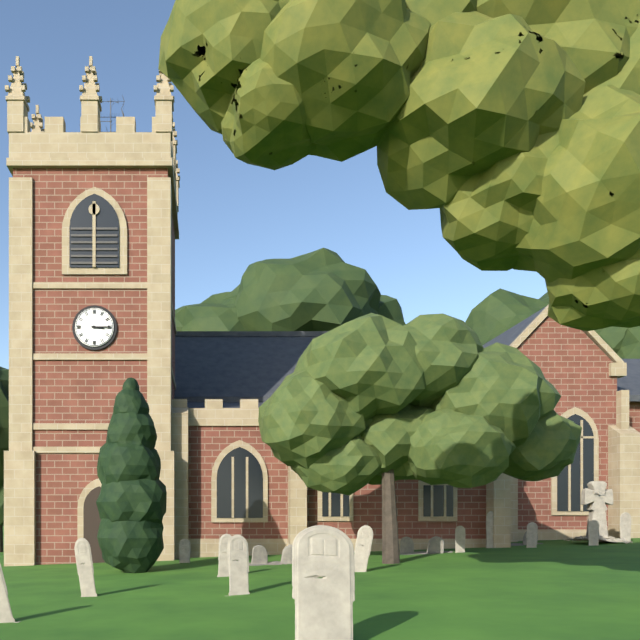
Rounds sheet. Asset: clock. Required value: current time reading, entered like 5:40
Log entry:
3:15
